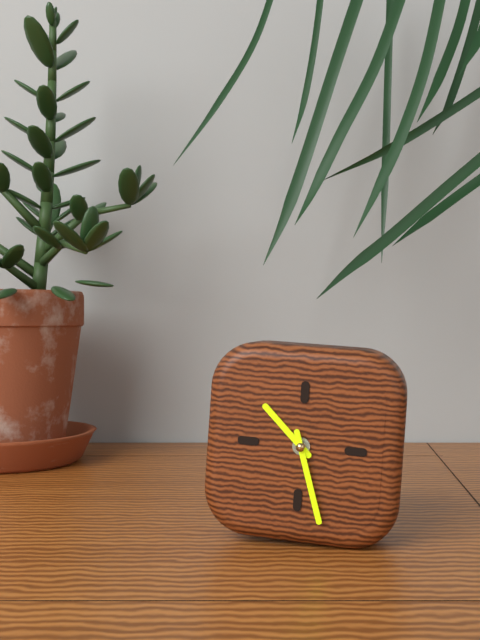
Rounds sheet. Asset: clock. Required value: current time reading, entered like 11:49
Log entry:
10:27
